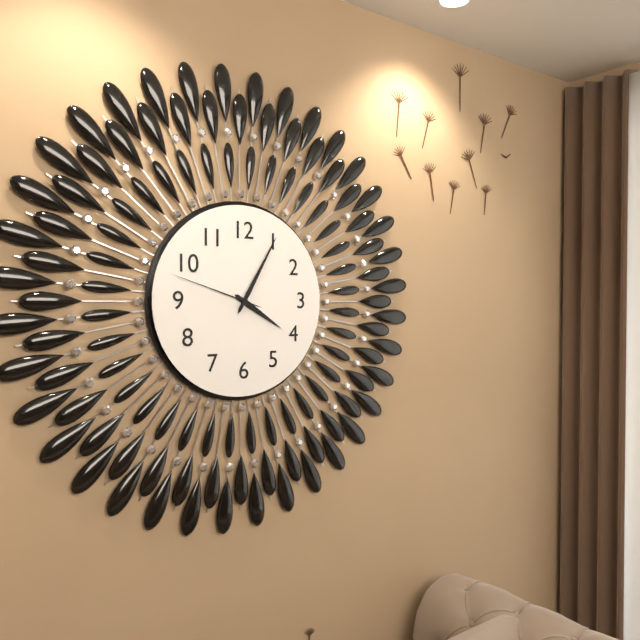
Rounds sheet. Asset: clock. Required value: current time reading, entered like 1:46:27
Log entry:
4:05:48
